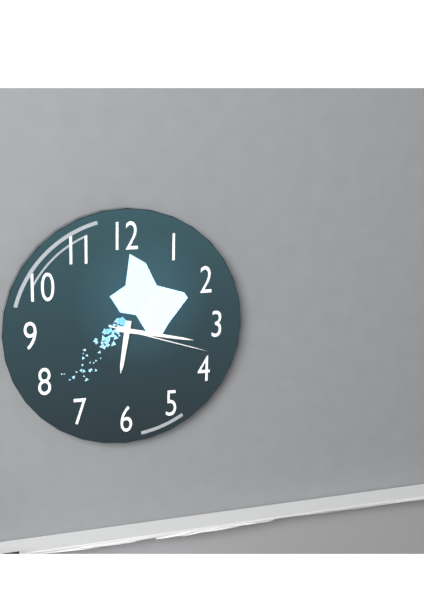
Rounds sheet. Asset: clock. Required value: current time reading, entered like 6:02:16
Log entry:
6:17:18
